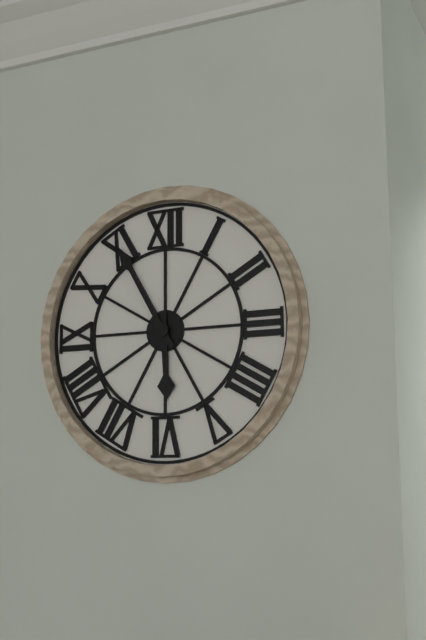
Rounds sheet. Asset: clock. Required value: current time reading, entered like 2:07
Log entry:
5:55
